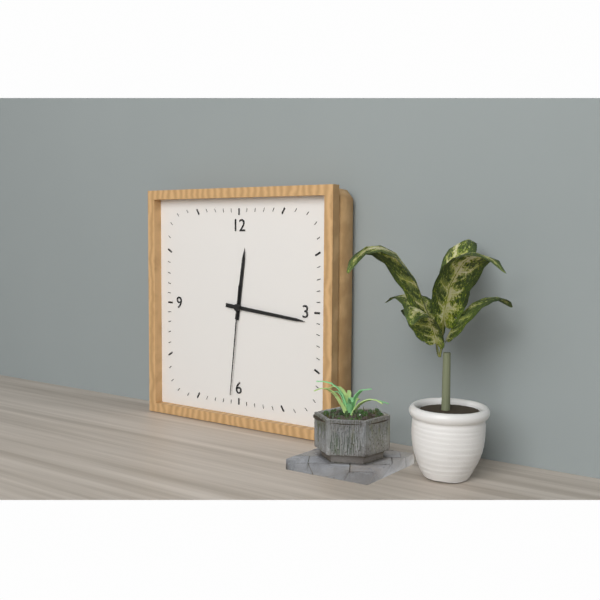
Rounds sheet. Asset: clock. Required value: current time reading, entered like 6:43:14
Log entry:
12:16:31
